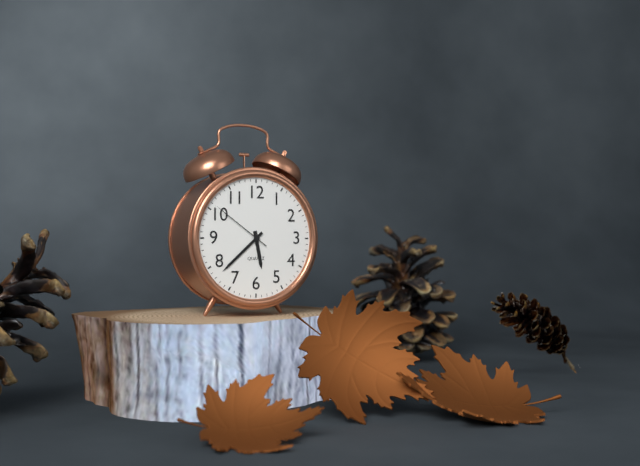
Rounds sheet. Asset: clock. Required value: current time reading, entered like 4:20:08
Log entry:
5:38:51
